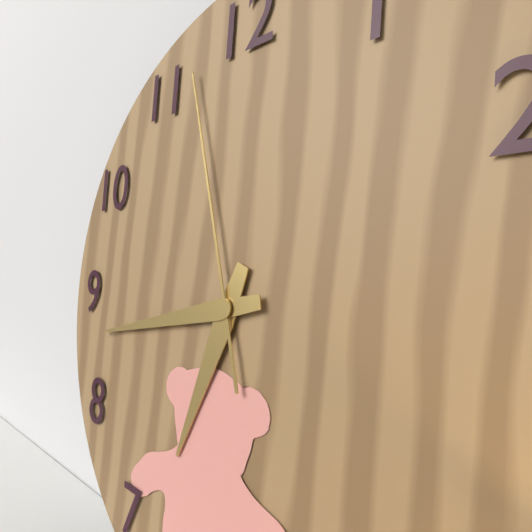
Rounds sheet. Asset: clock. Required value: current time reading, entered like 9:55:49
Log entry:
6:43:57
